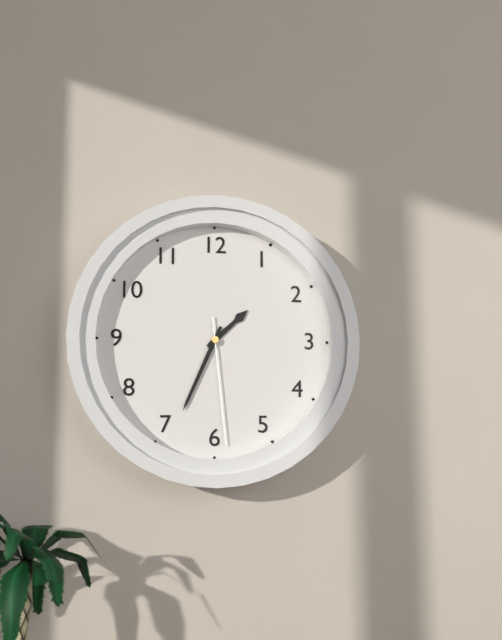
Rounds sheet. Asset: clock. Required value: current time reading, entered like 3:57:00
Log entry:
1:34:29
